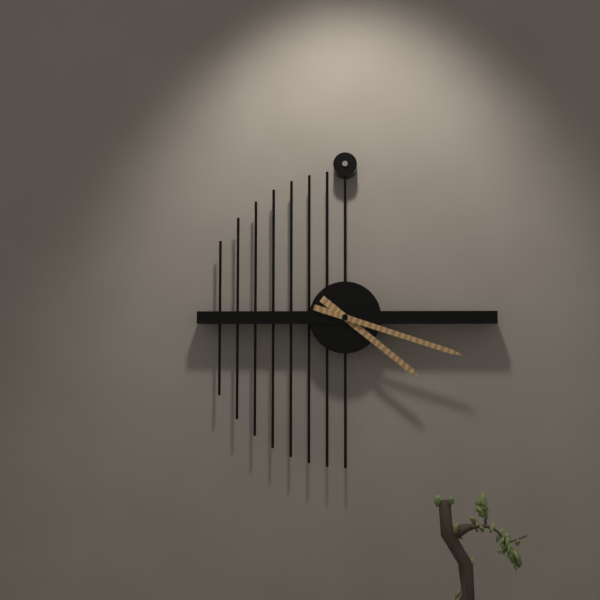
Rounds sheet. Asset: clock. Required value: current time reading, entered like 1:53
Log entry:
4:18
